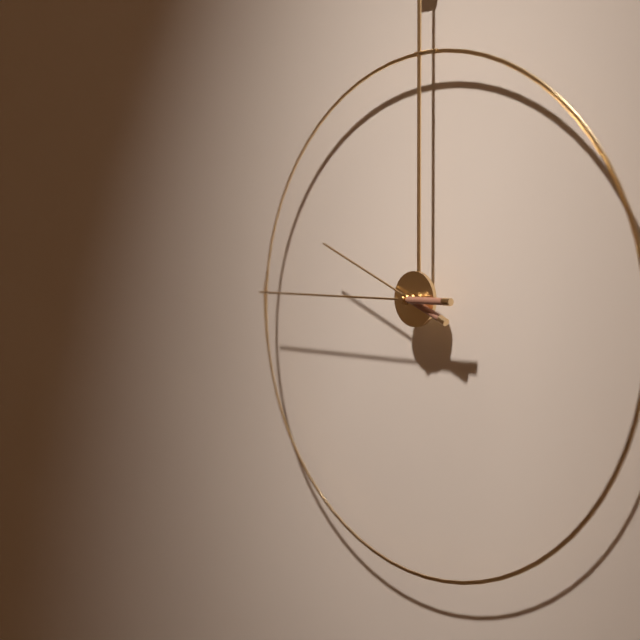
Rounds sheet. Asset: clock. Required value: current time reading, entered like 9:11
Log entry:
9:45
